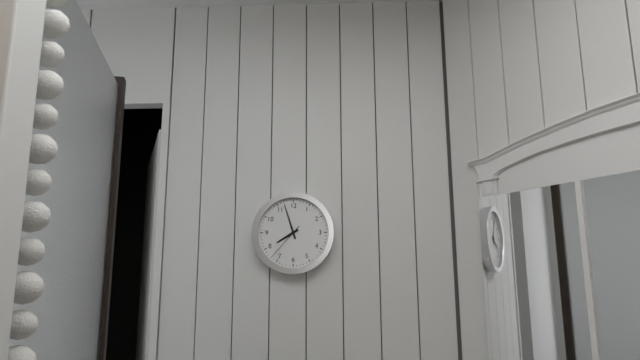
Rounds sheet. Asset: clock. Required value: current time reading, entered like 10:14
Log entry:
7:57
